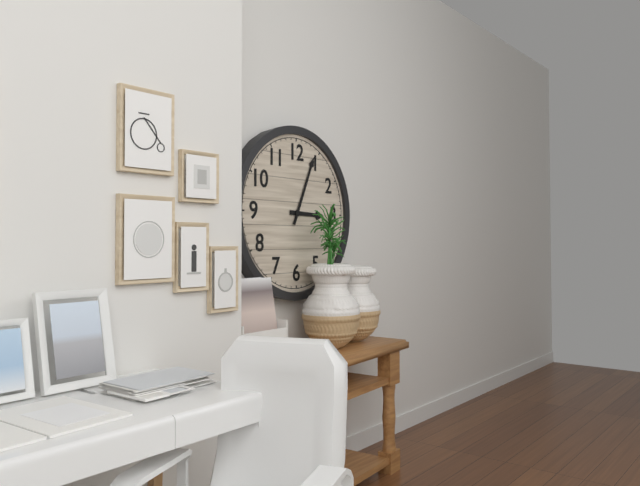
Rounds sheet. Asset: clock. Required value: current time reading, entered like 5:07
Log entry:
3:04
